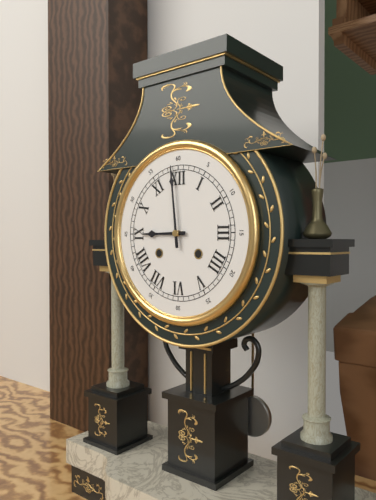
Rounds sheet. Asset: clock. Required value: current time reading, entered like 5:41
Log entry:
8:59
